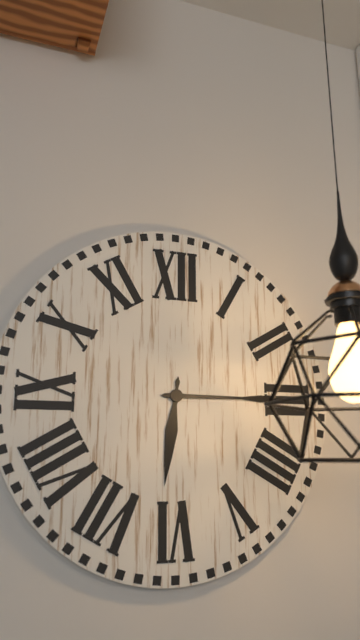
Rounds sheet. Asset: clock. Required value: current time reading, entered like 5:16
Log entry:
6:15
